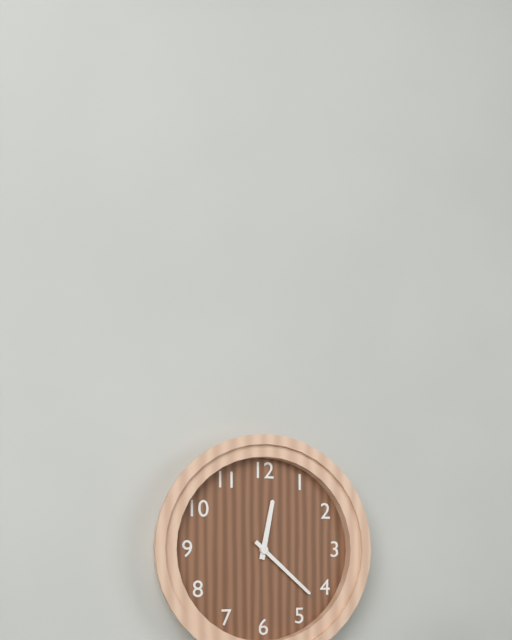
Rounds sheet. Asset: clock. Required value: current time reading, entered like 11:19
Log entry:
12:22
